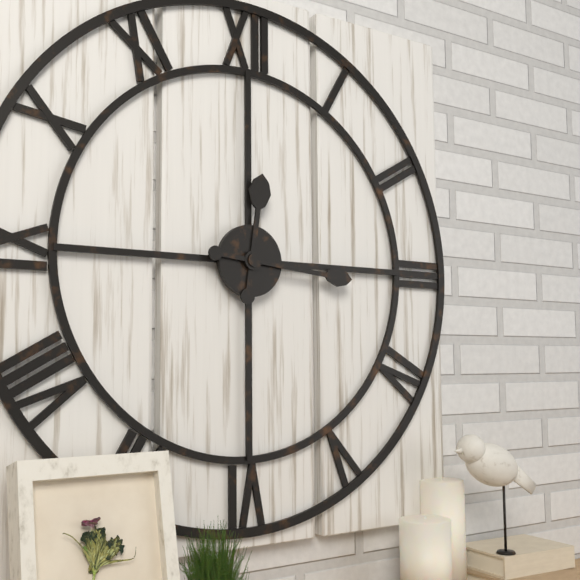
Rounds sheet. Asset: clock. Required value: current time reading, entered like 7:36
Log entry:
12:16
